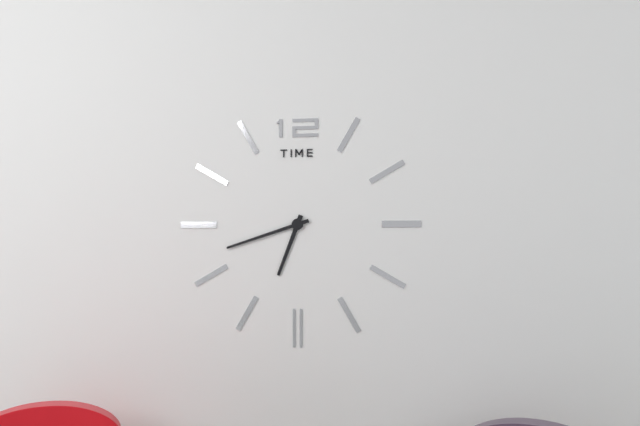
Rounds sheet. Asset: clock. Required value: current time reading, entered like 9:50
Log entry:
6:42
